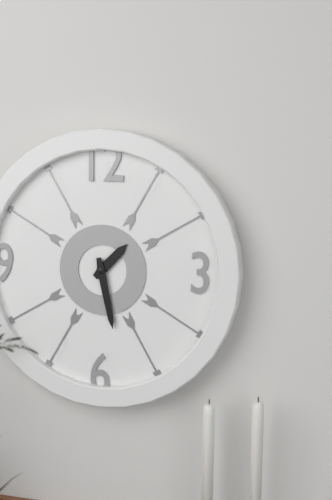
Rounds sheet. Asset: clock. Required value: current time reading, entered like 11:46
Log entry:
1:28
